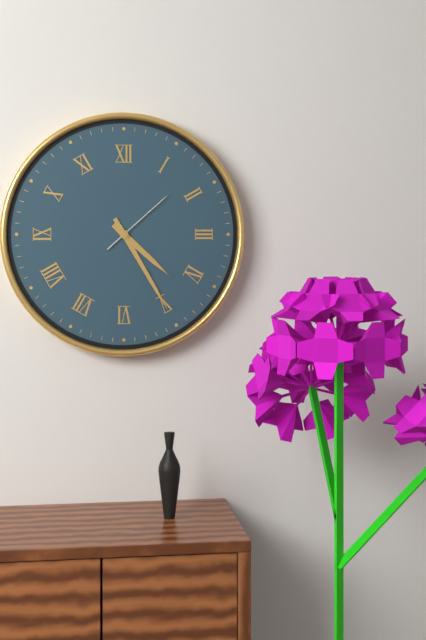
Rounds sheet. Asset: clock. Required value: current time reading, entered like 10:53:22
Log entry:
4:25:08
